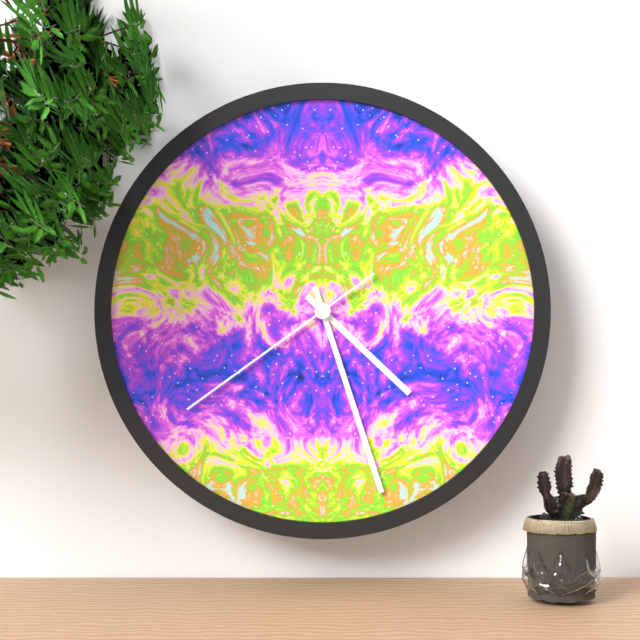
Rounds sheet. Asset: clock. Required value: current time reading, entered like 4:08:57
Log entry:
4:27:39
